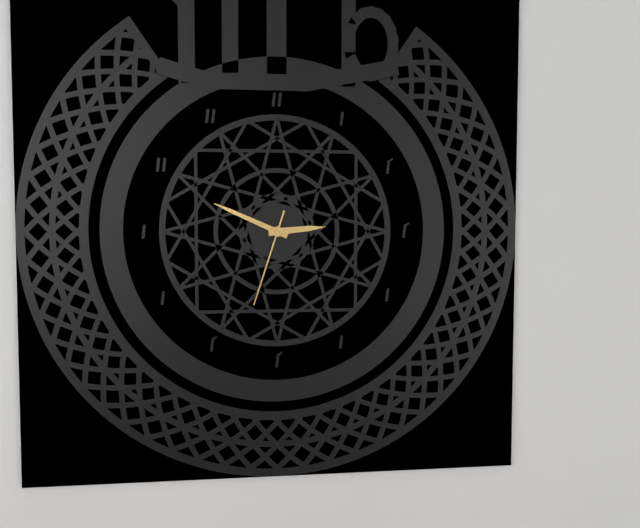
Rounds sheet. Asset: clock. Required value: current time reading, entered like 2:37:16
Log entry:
2:49:33
